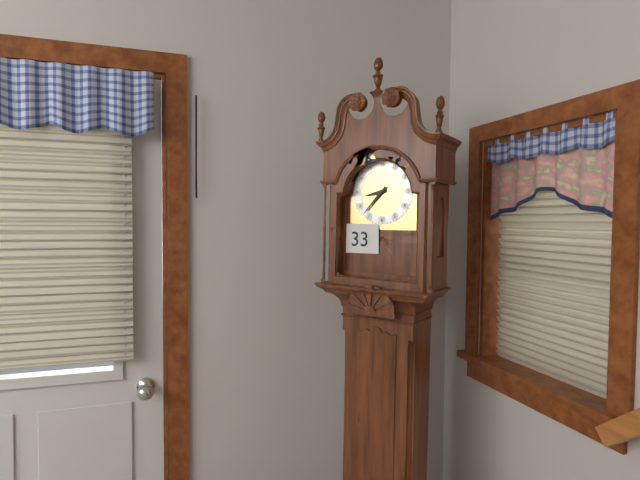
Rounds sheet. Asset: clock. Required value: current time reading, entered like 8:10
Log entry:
8:37
